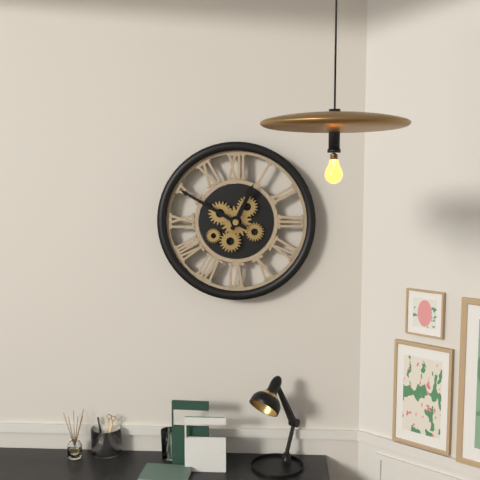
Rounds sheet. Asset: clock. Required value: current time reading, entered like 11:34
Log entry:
12:50
